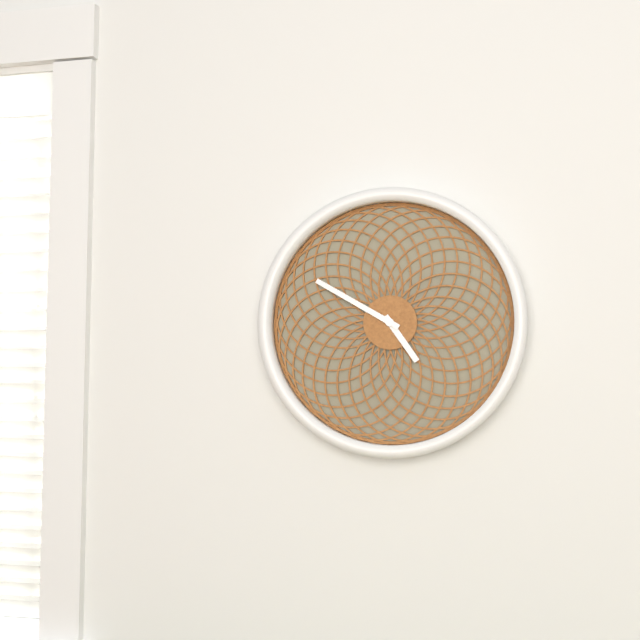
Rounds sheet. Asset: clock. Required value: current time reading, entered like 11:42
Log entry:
4:50
